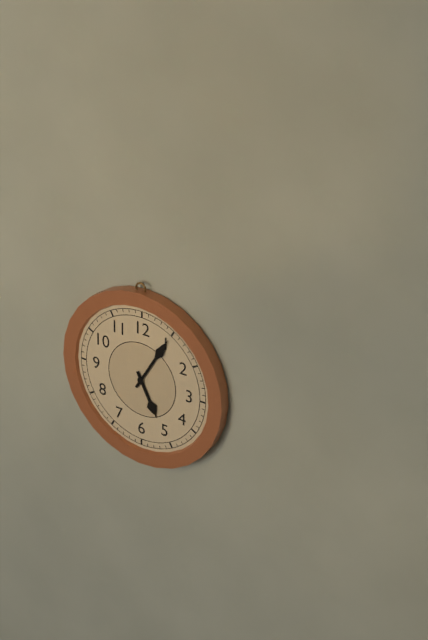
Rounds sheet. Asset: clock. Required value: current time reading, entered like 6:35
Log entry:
5:05
